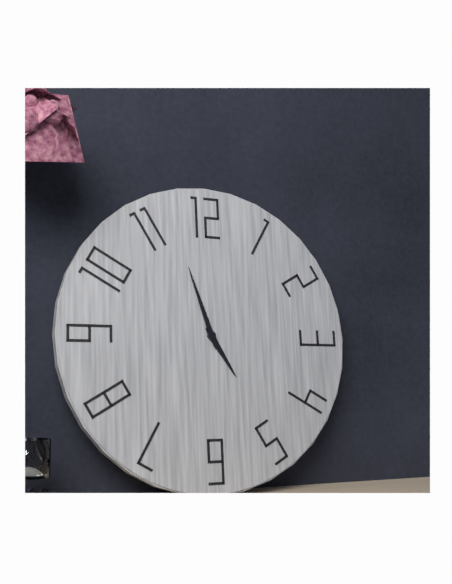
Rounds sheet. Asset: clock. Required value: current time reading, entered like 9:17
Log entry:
4:57
